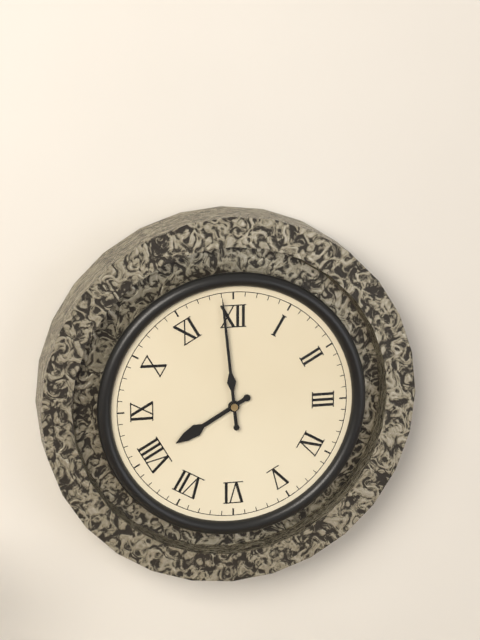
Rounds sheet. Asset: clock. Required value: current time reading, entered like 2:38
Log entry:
7:59
